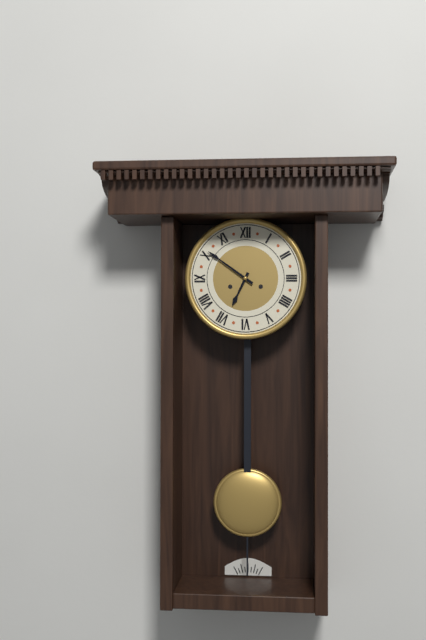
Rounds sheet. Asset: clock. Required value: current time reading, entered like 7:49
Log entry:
6:51
